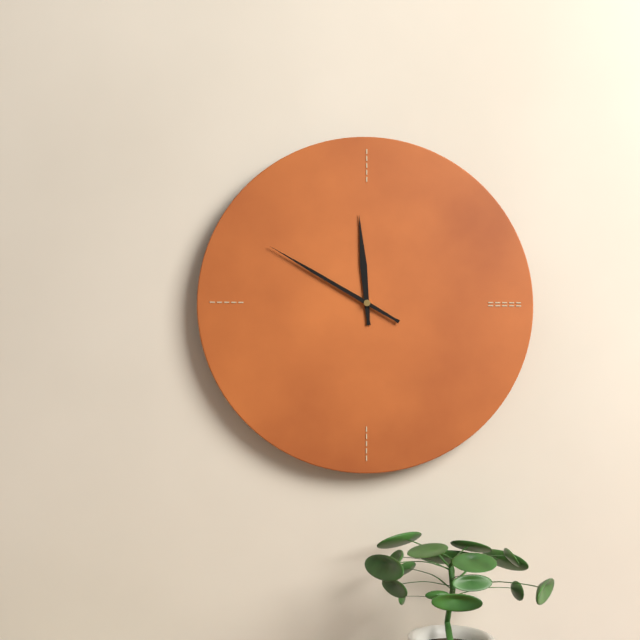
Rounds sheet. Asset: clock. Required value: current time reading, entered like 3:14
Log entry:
11:50
